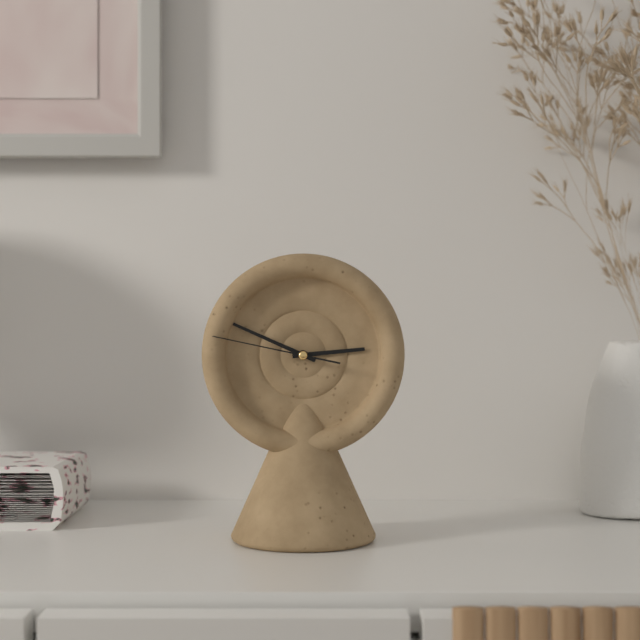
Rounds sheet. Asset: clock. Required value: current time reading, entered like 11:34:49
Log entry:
2:49:47
